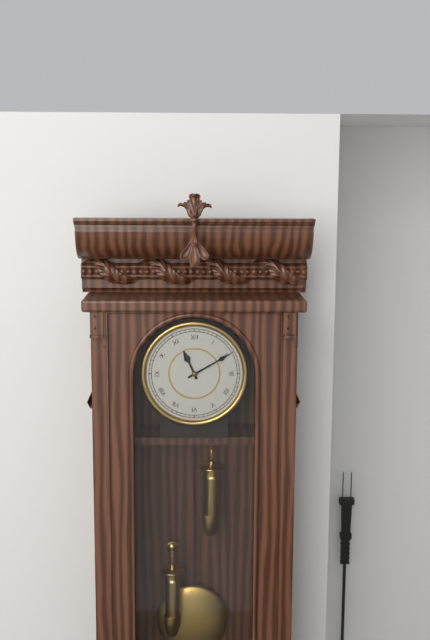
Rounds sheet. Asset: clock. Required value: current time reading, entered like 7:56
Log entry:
11:10
